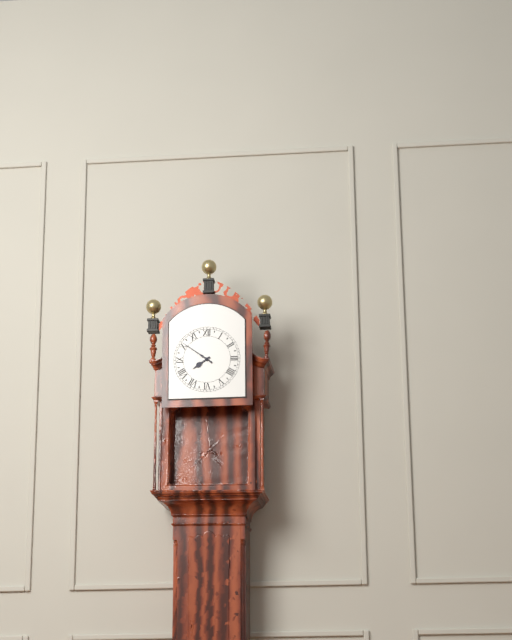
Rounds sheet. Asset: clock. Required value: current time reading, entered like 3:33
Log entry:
7:51
